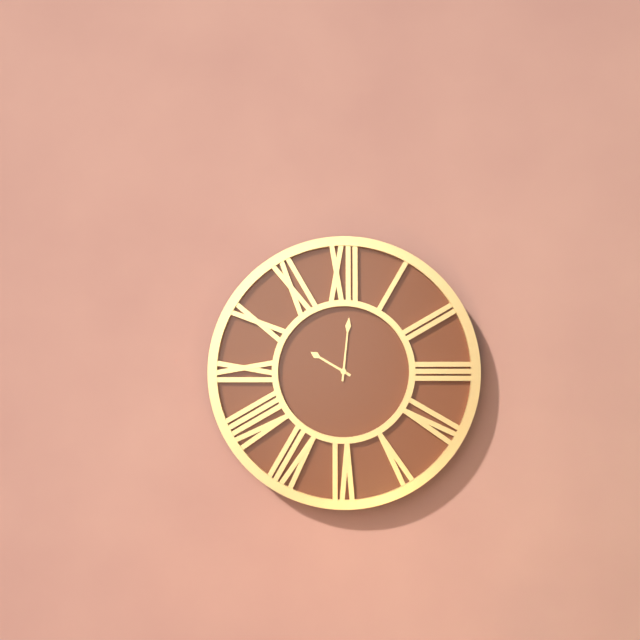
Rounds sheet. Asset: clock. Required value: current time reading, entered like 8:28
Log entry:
10:01
